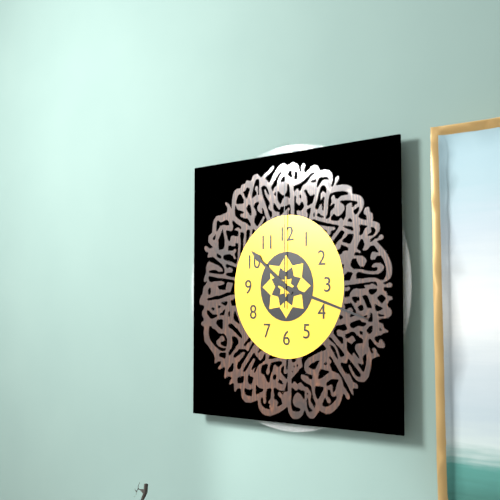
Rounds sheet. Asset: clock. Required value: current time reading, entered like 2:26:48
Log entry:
10:18:00
